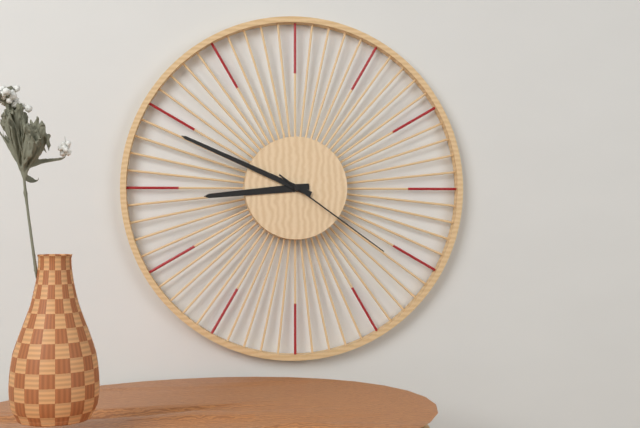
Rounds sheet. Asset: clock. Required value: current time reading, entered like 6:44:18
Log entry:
8:49:21
